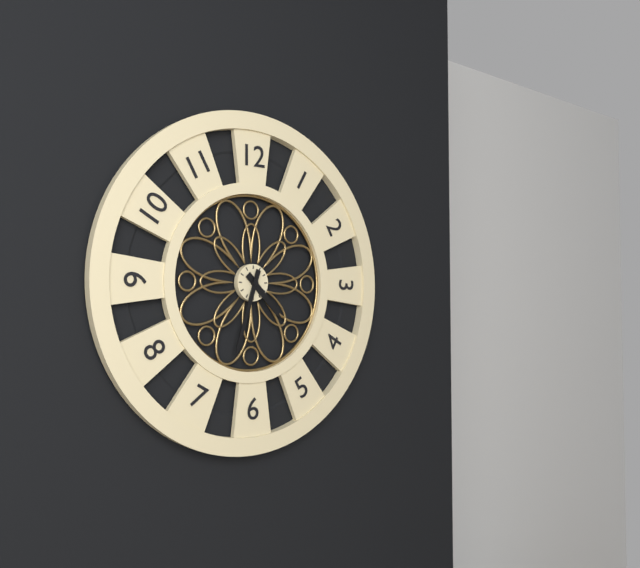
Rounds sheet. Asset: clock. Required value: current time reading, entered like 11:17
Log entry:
4:33
